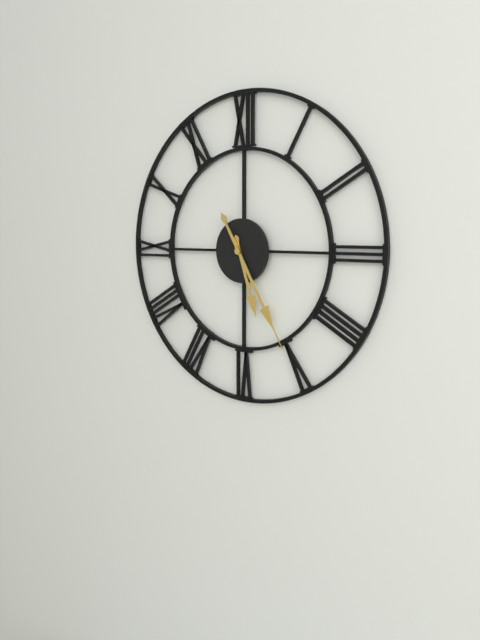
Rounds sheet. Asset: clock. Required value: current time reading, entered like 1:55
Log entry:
5:25
